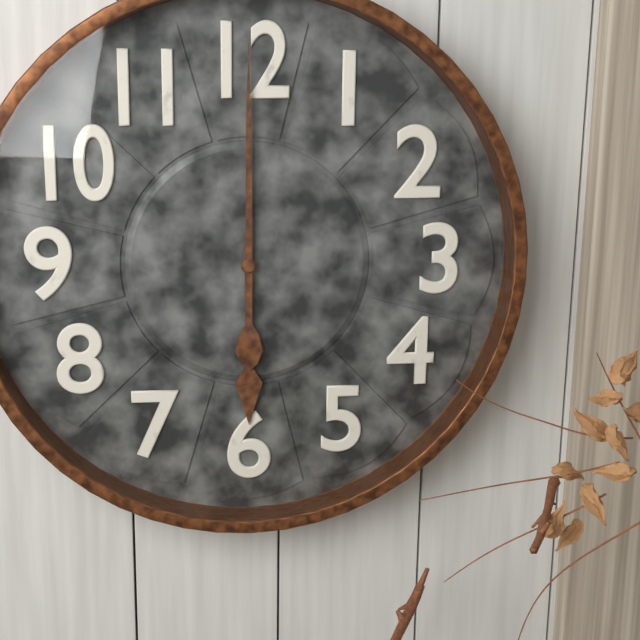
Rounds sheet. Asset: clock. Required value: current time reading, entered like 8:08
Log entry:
6:00
